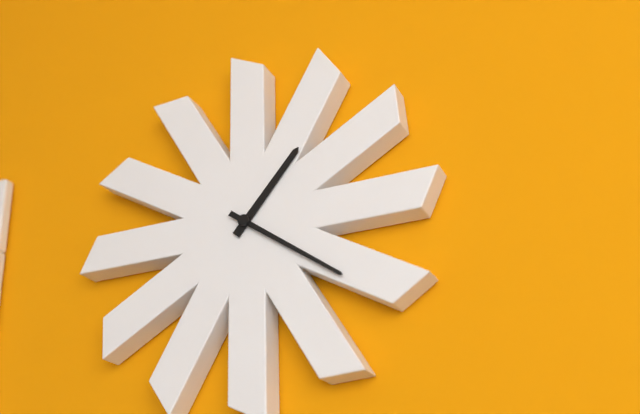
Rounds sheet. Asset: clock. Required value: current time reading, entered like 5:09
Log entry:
1:21
